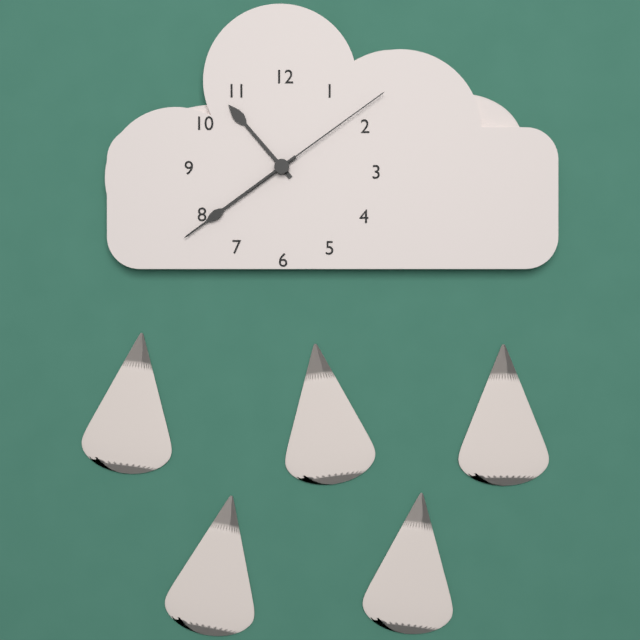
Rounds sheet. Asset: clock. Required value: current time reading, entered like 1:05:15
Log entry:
10:39:09
